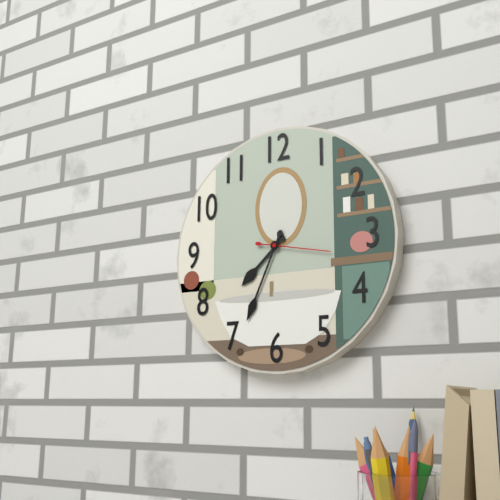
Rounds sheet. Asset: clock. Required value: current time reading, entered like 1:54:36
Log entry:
7:34:17
